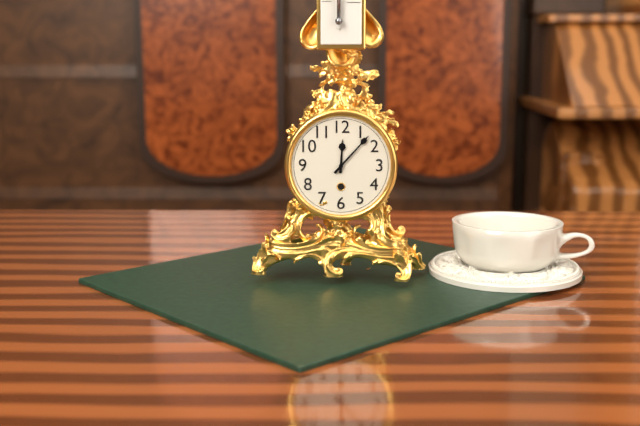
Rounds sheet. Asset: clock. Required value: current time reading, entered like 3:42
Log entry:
12:07
